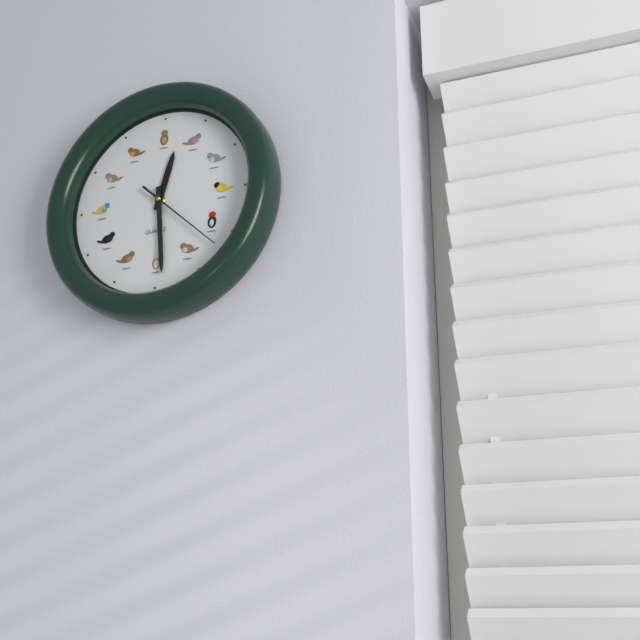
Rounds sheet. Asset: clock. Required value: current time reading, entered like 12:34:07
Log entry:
12:29:22
